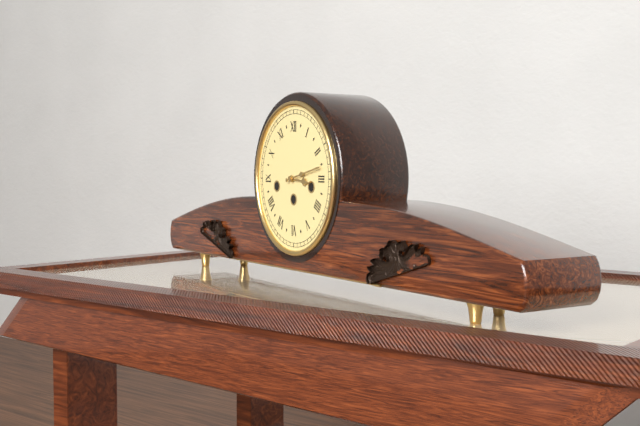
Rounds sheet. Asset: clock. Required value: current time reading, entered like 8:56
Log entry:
3:13
